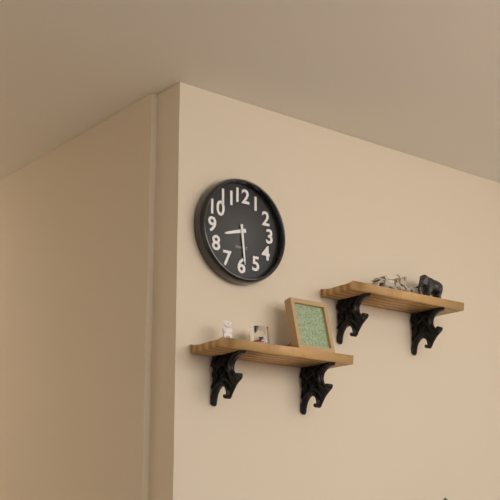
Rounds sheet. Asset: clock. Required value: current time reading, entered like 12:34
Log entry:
8:29
